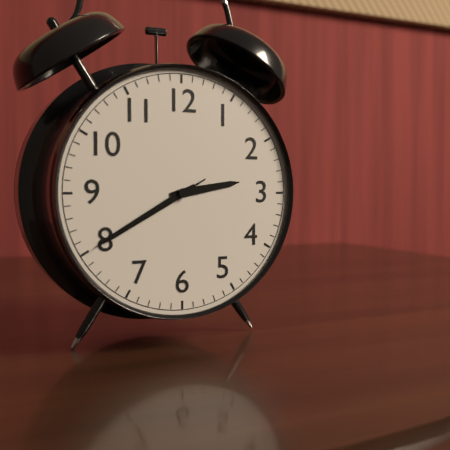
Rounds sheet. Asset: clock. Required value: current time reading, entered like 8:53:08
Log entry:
2:40:40
